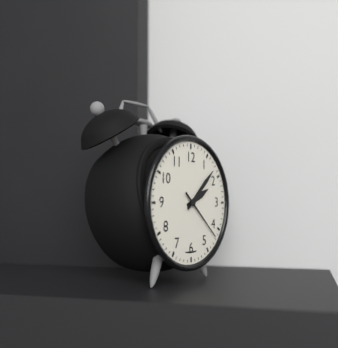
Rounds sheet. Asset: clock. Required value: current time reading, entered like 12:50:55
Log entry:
2:08:22
